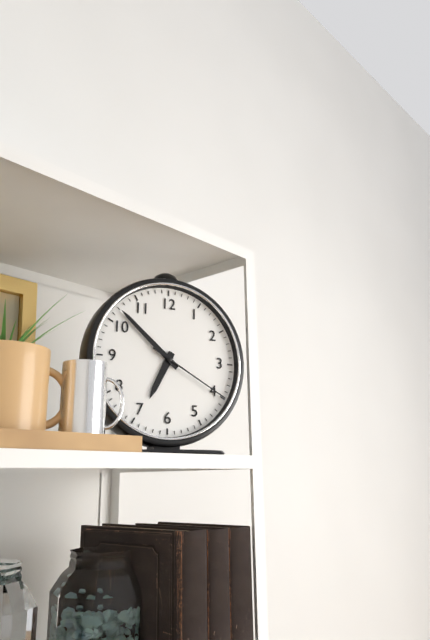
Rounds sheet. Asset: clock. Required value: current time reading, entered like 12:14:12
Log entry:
6:52:20
